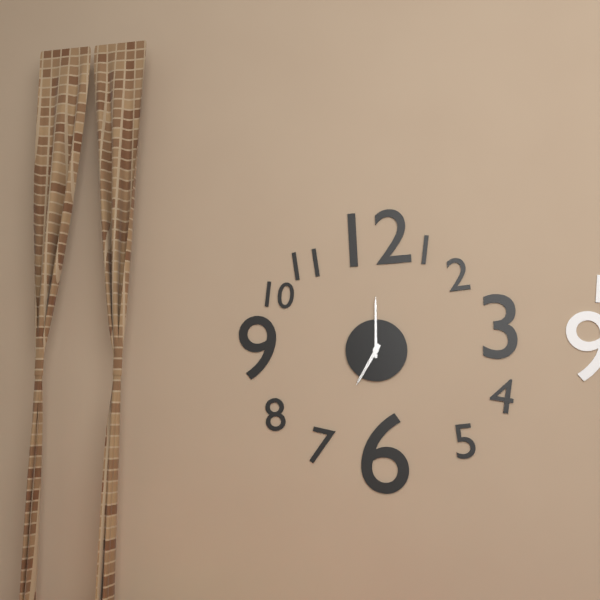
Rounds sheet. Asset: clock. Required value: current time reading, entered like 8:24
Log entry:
7:00
